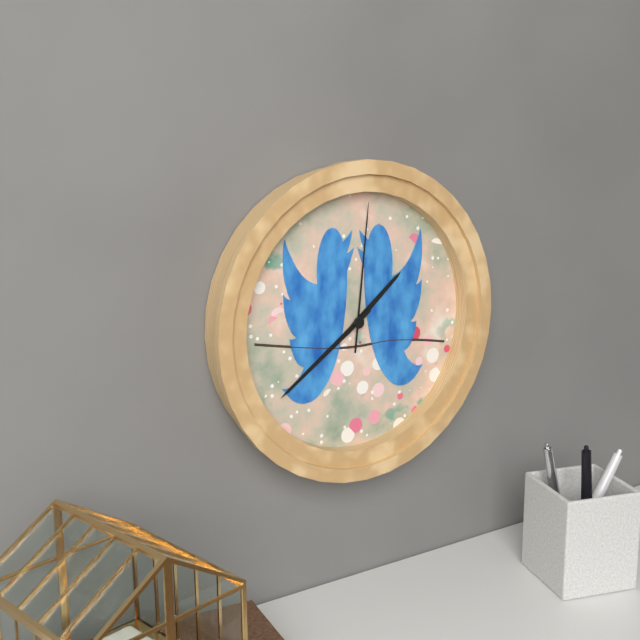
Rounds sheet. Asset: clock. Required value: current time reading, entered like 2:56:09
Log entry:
1:39:01
